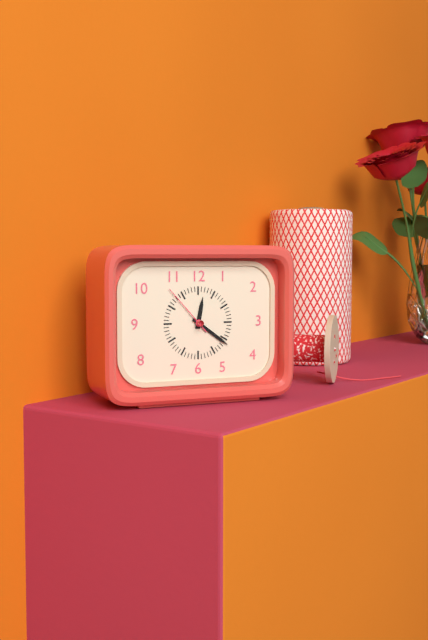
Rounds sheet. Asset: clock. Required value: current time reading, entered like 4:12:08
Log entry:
12:21:53
